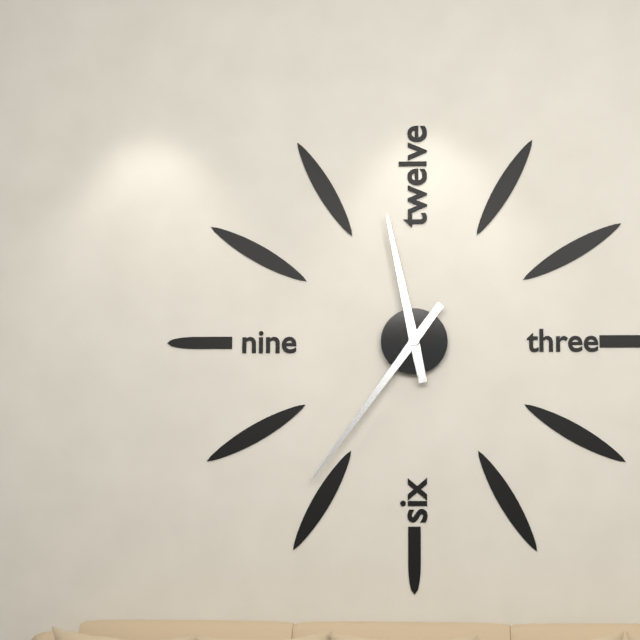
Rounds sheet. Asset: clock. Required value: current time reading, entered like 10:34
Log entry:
11:36
